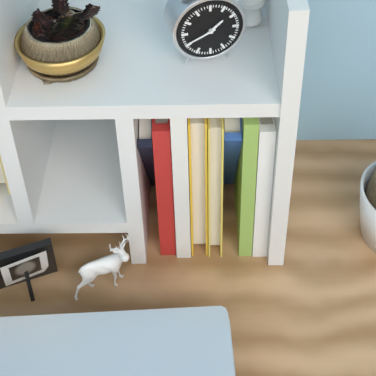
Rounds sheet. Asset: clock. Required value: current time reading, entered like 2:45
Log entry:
1:41
